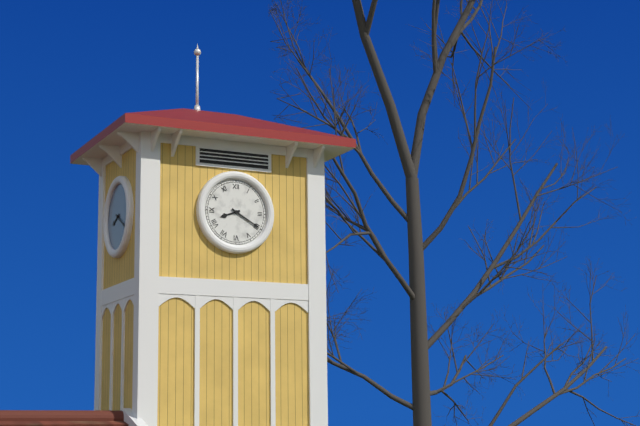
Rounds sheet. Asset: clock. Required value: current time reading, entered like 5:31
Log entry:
8:20
